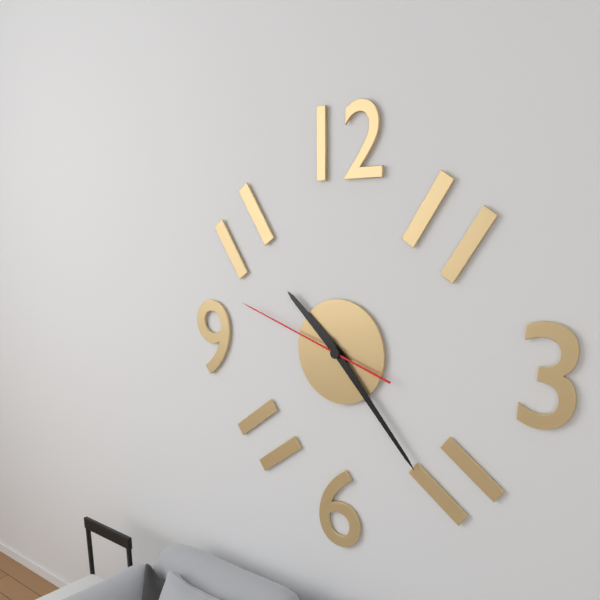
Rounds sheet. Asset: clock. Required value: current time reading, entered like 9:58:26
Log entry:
10:23:48
